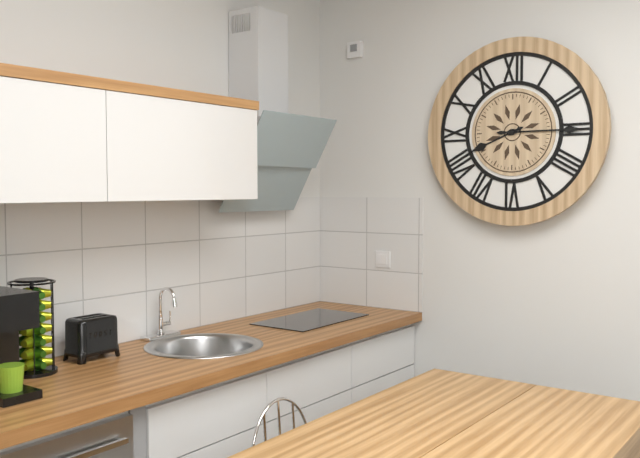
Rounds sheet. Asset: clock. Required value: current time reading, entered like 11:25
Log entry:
8:15
